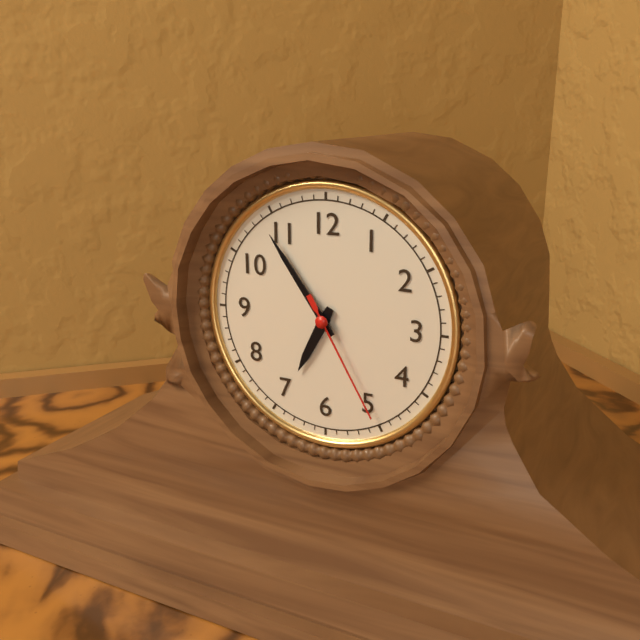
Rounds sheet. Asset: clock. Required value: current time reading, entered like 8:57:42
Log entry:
6:54:25
